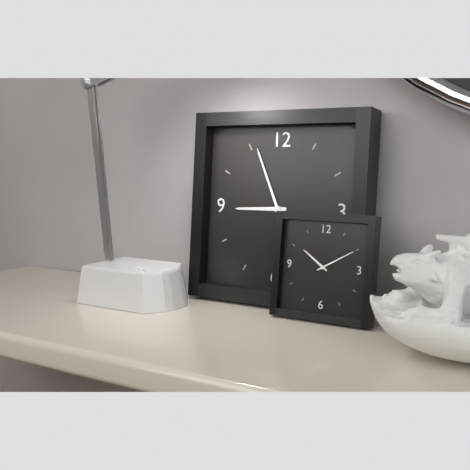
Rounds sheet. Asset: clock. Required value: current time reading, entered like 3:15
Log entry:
8:56
